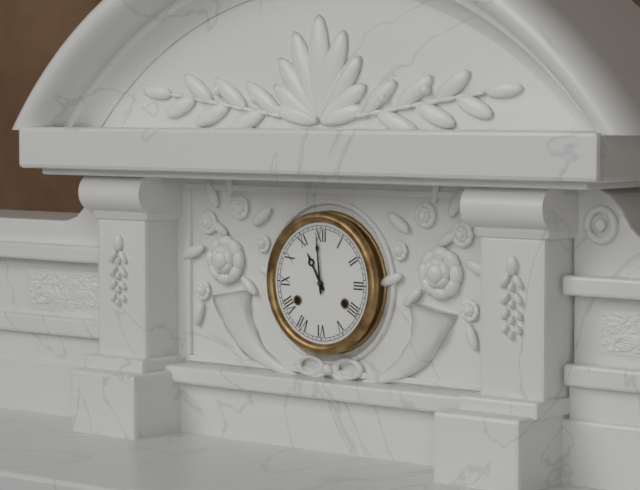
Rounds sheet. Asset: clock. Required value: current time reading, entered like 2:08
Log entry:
10:59
